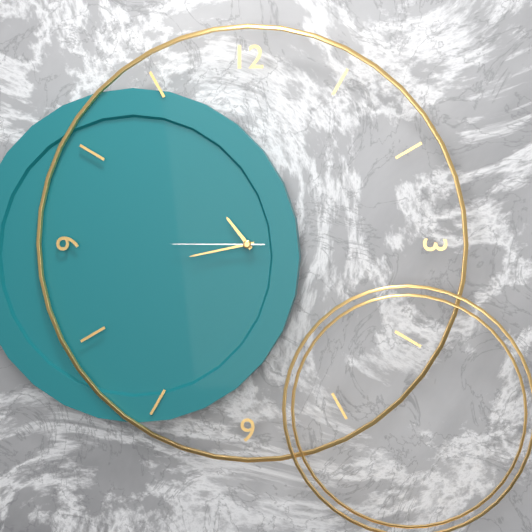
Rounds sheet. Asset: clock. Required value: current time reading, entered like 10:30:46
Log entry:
10:43:45
